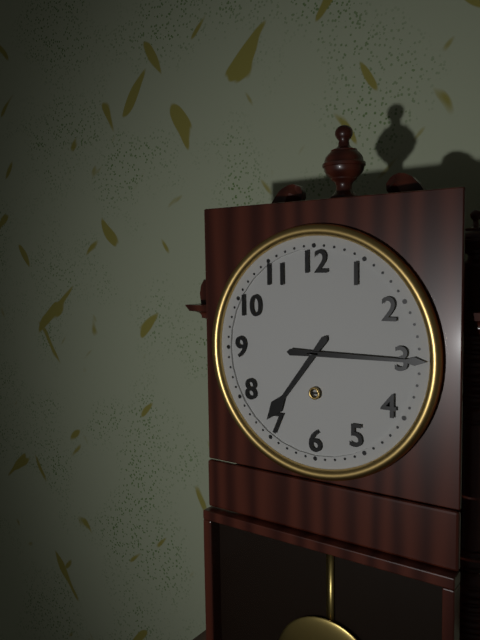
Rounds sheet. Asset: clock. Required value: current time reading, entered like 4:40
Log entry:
7:15
